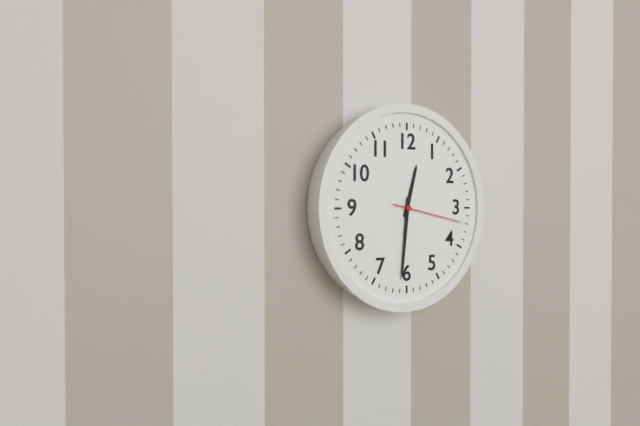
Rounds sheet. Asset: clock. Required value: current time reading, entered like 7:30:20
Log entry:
12:31:17
